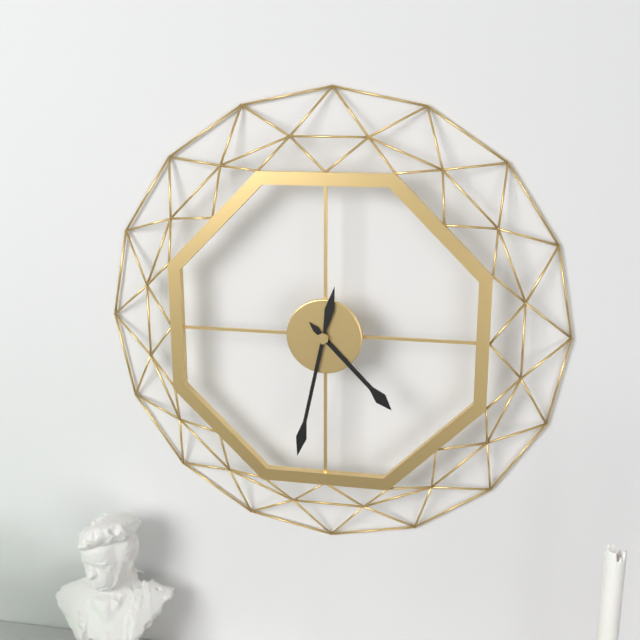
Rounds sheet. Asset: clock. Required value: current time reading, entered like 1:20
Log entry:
4:32
